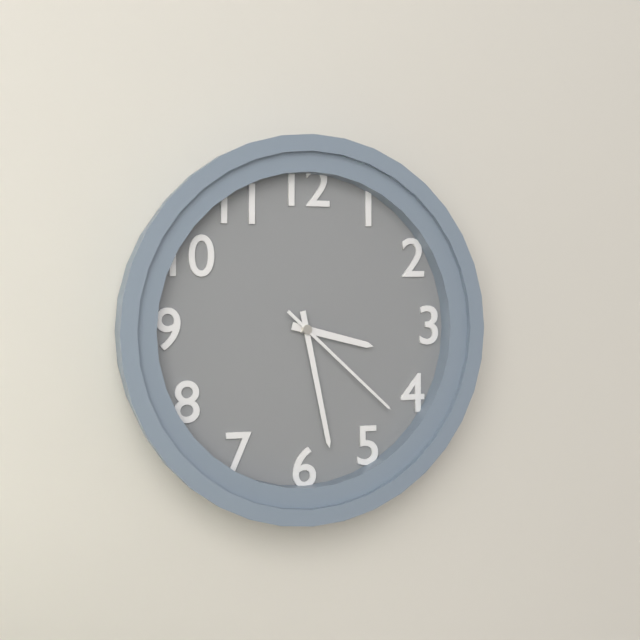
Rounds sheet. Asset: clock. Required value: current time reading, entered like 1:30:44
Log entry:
3:28:22
